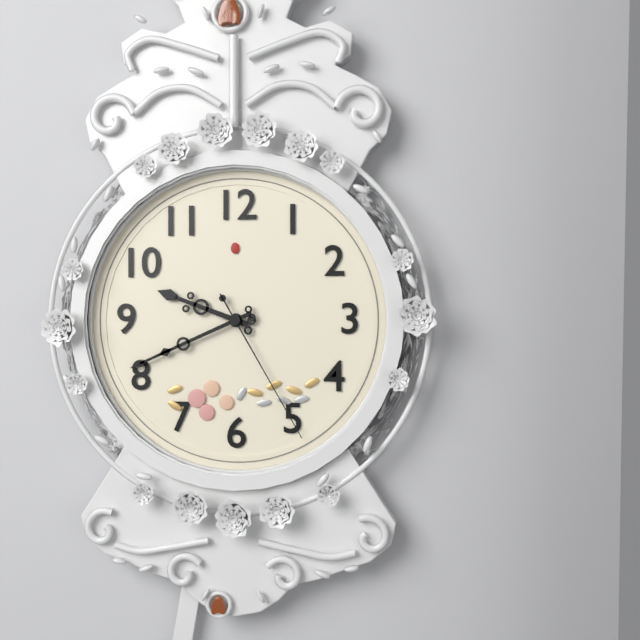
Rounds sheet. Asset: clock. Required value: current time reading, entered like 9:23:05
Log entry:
9:41:25
